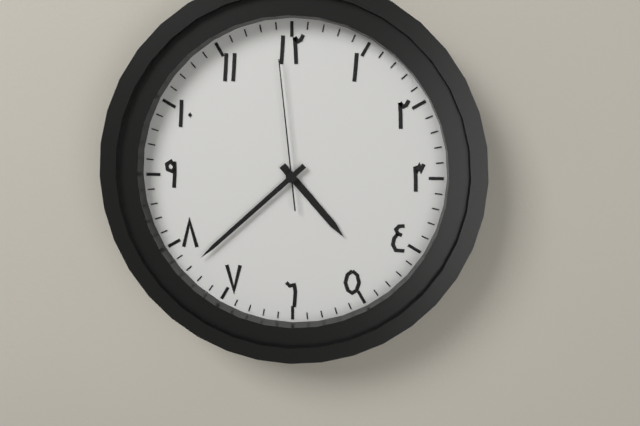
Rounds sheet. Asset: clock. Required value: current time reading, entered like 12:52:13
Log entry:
4:38:59
